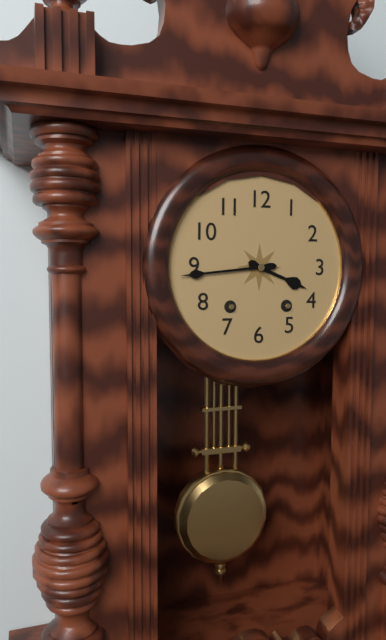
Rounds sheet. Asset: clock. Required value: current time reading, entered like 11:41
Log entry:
3:44
